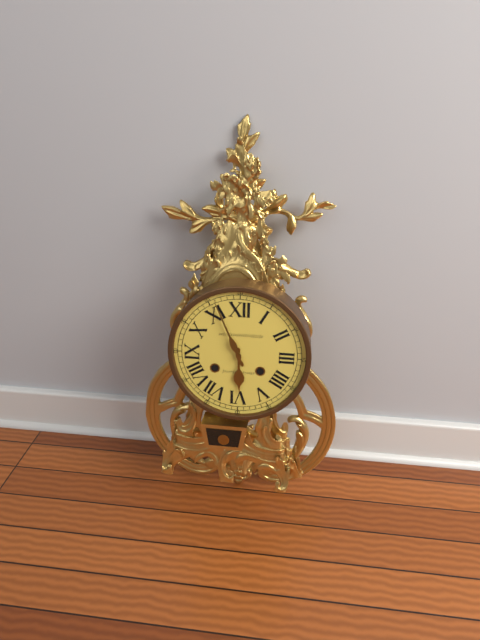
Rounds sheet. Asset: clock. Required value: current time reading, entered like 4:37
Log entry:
5:56
